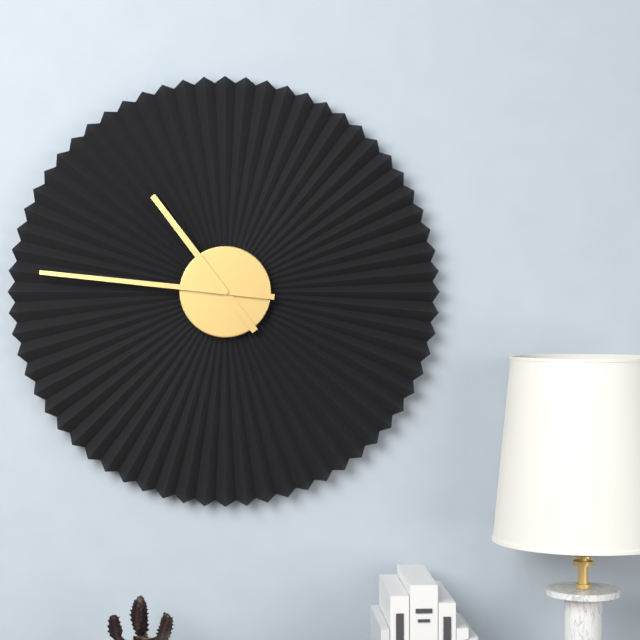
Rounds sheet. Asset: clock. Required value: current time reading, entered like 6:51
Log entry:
10:46
